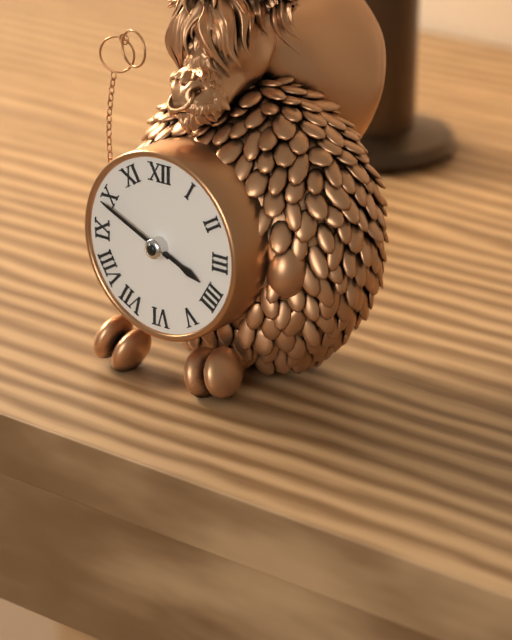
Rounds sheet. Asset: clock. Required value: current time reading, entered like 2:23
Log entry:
3:49
